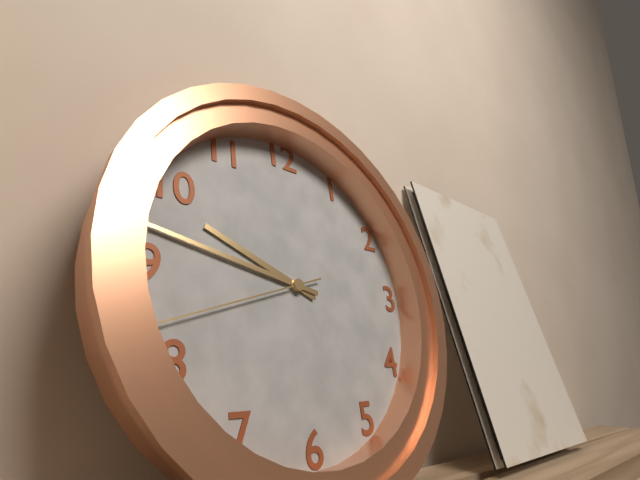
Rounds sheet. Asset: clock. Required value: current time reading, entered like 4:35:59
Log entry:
9:47:42
